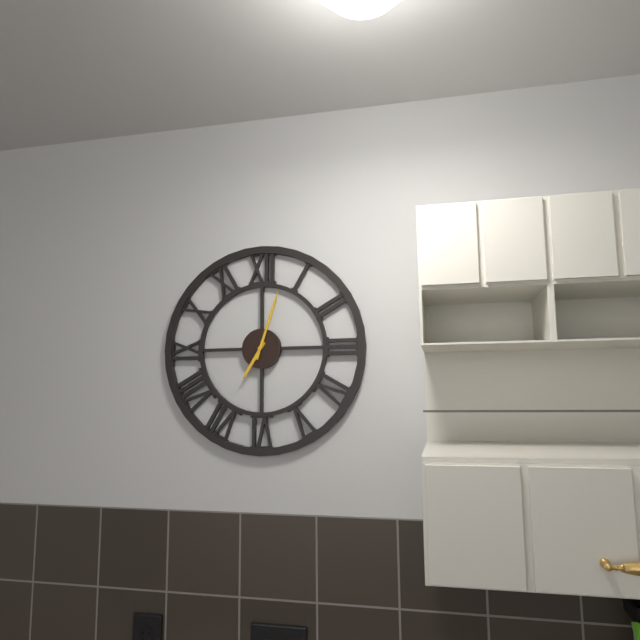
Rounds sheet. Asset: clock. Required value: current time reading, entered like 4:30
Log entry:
7:03
